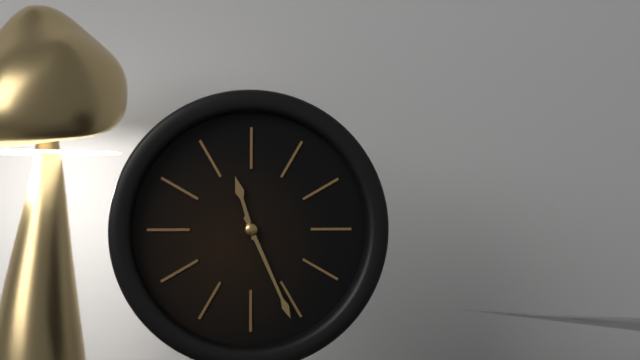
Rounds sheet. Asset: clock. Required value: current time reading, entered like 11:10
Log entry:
11:26
